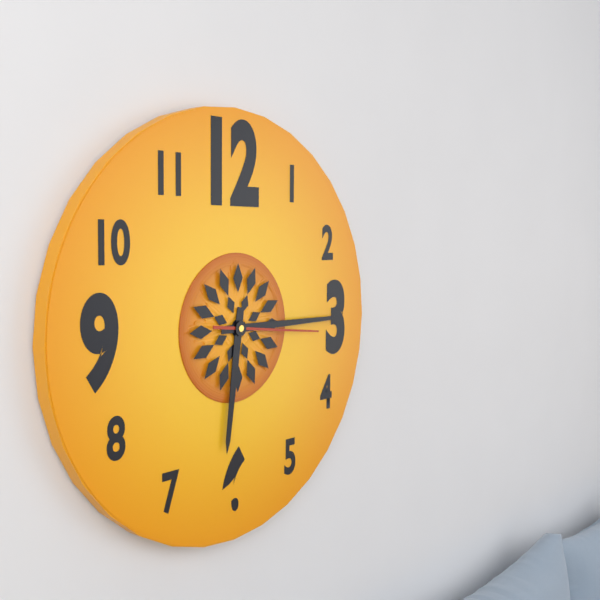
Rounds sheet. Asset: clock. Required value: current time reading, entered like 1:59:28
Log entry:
6:15:16
